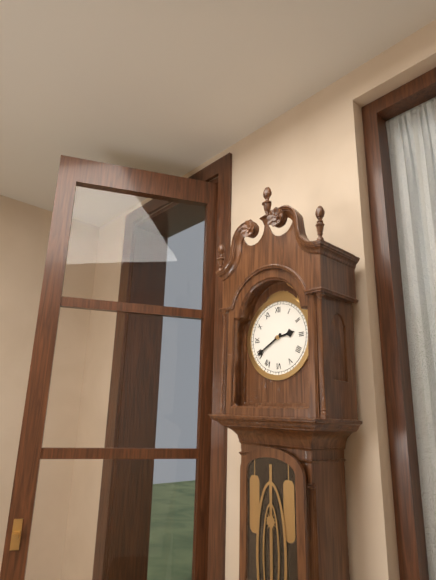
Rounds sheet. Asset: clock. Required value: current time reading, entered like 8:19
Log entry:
2:40
